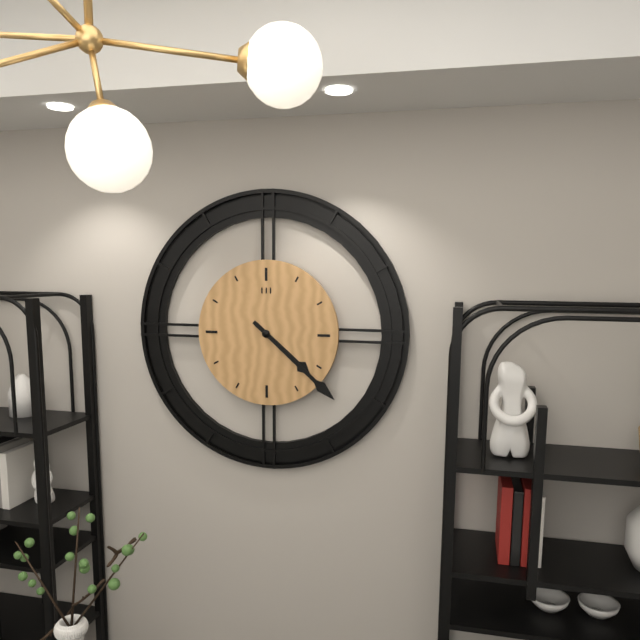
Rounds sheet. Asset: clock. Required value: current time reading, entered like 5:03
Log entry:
4:22
